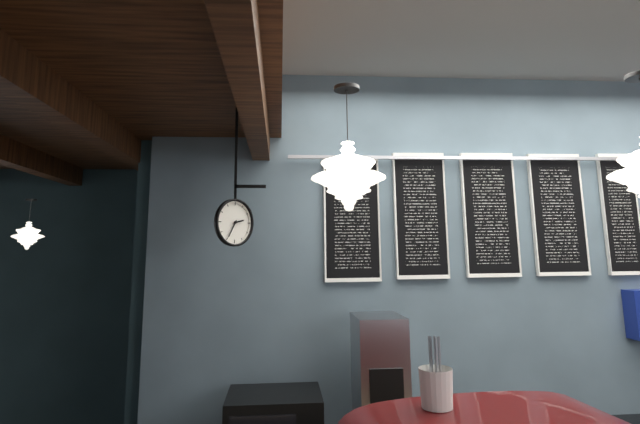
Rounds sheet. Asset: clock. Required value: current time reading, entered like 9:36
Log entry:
2:35
